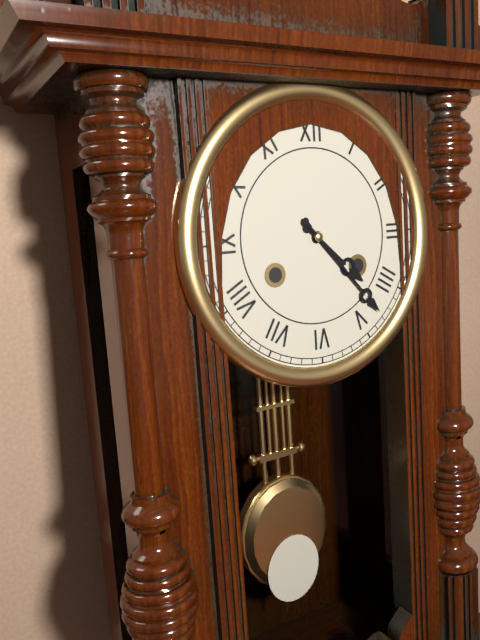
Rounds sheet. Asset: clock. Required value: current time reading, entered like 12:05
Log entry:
4:23
